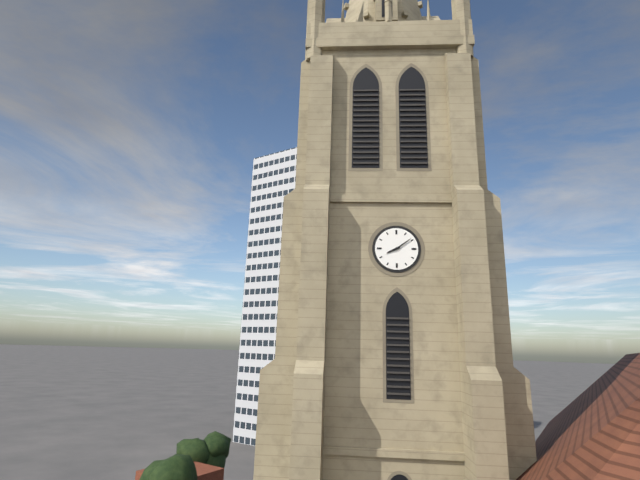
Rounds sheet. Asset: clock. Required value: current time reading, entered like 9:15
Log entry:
8:09
